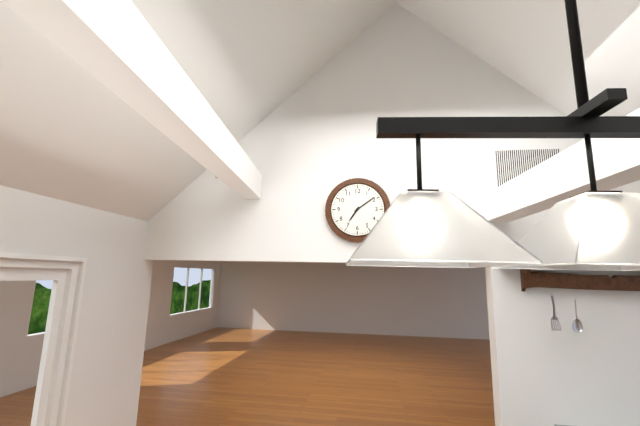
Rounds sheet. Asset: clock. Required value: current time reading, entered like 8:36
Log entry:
7:09
